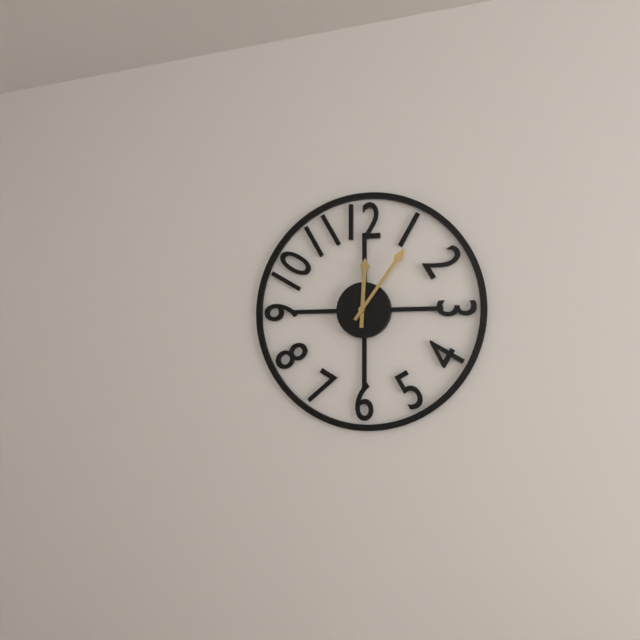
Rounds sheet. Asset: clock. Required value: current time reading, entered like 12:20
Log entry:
12:06
